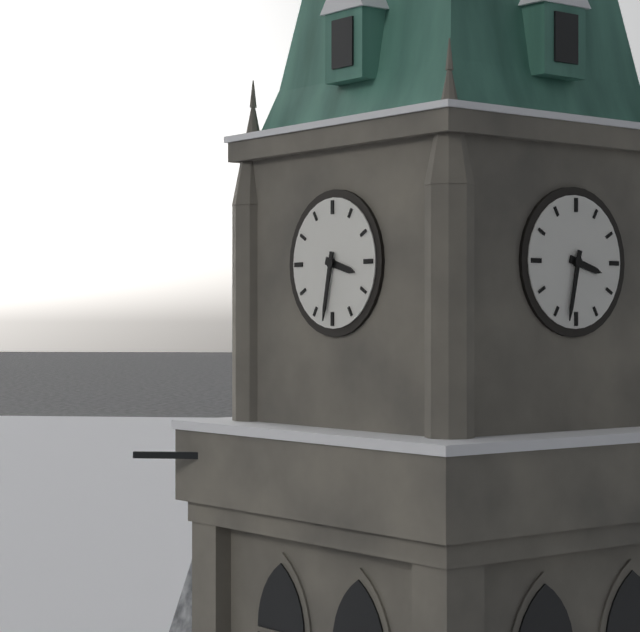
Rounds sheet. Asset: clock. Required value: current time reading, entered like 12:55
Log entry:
3:32
